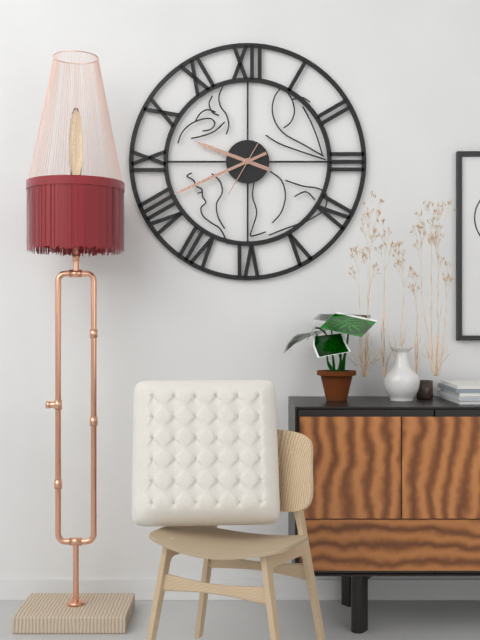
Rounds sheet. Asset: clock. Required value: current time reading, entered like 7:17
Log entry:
9:41
